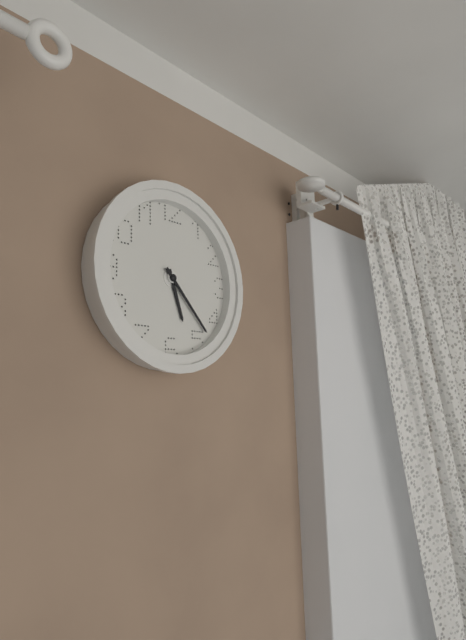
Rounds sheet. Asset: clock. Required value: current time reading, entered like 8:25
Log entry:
5:23
